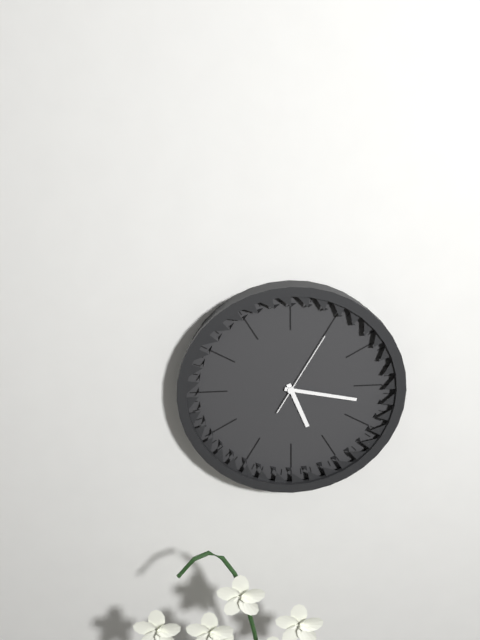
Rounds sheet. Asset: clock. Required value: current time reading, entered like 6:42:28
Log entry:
5:17:05
